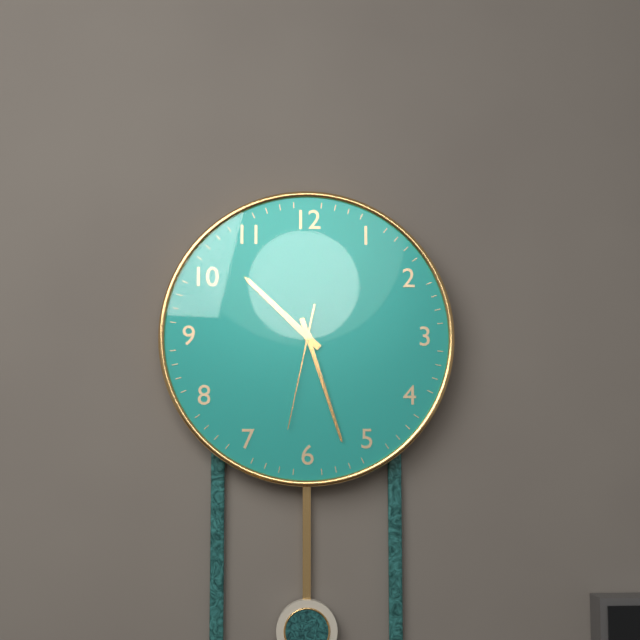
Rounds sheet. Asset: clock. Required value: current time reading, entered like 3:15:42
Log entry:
10:27:32
